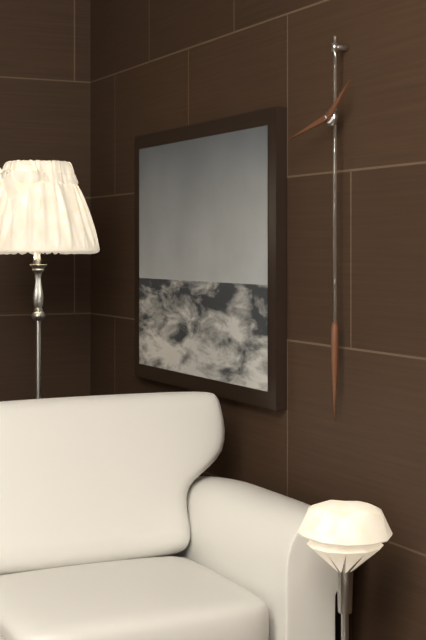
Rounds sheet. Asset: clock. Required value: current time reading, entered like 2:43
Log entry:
1:43
